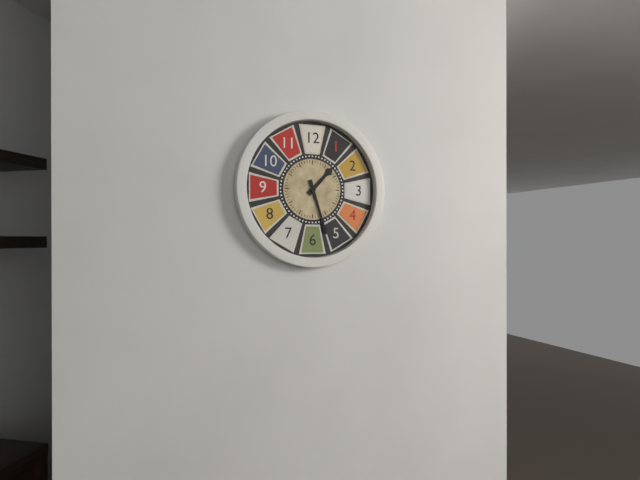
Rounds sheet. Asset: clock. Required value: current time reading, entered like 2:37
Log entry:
1:27
